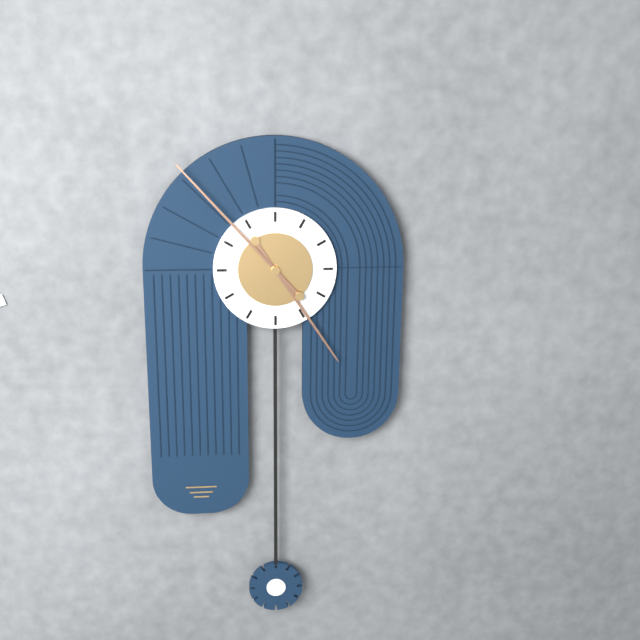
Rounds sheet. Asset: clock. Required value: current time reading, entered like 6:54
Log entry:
4:53
